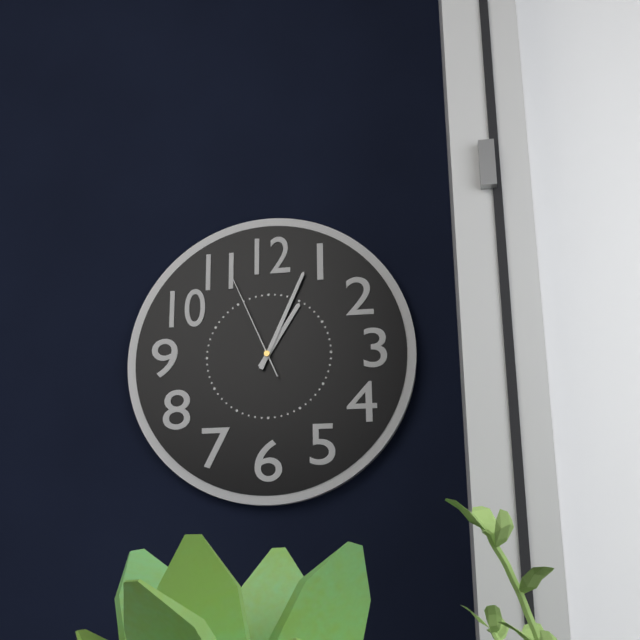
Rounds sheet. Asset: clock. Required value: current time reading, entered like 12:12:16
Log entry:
1:04:56
